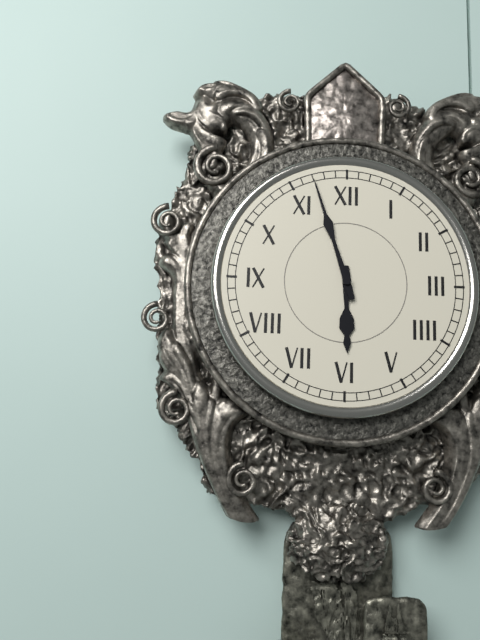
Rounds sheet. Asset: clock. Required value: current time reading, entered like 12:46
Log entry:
5:57
